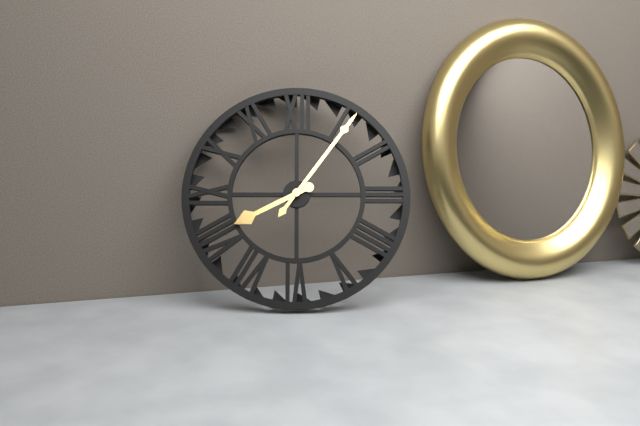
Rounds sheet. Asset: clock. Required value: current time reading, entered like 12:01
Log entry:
8:06
